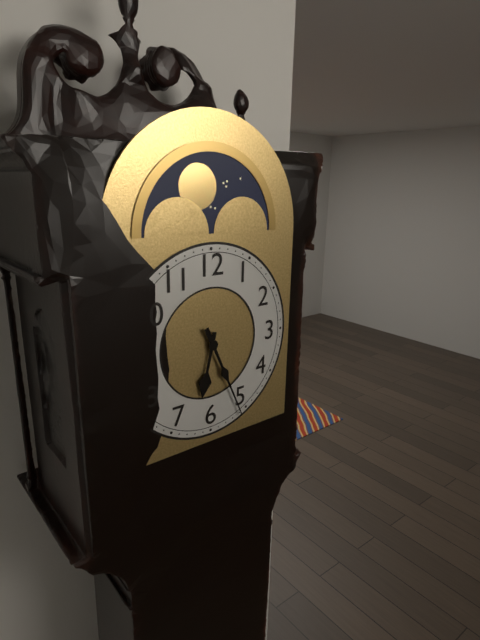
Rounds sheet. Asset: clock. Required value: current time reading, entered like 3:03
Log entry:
6:26
